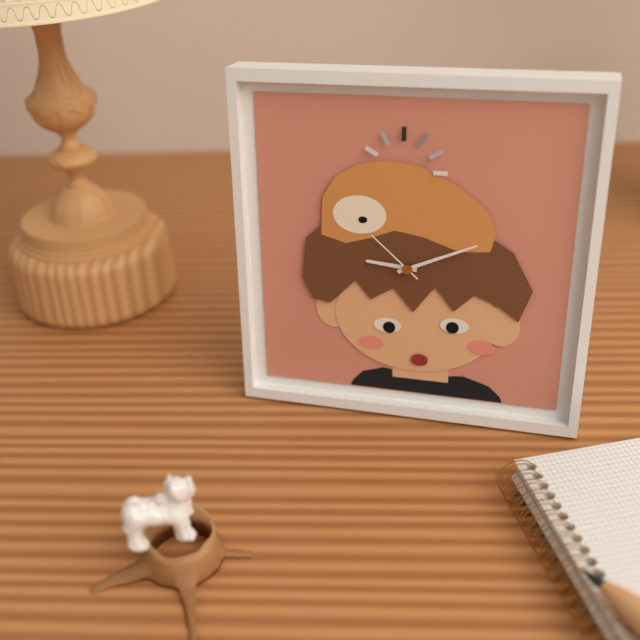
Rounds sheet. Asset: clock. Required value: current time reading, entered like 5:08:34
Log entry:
9:11:52
